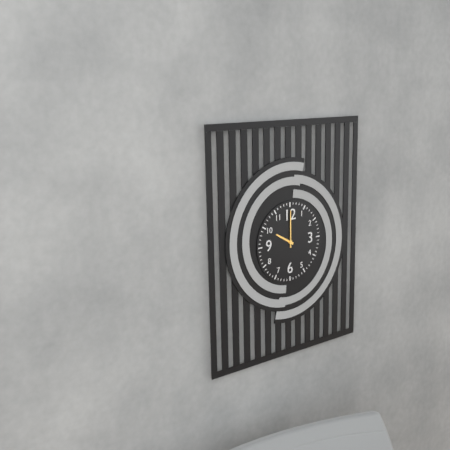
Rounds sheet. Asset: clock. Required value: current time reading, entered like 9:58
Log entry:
10:00
